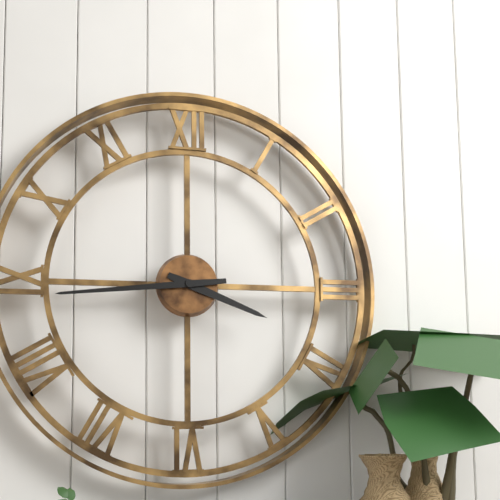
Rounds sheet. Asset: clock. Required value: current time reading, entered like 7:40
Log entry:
3:44
